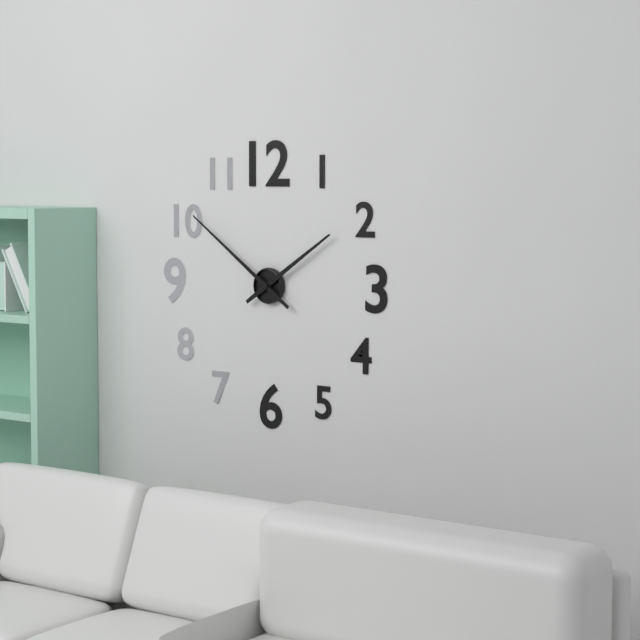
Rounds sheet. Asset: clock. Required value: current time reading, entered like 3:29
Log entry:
1:51
